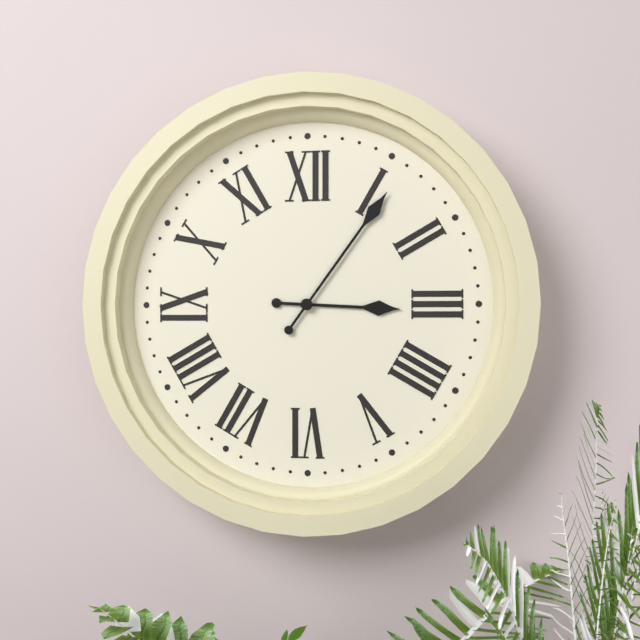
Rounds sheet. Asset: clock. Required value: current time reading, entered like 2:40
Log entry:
3:06
